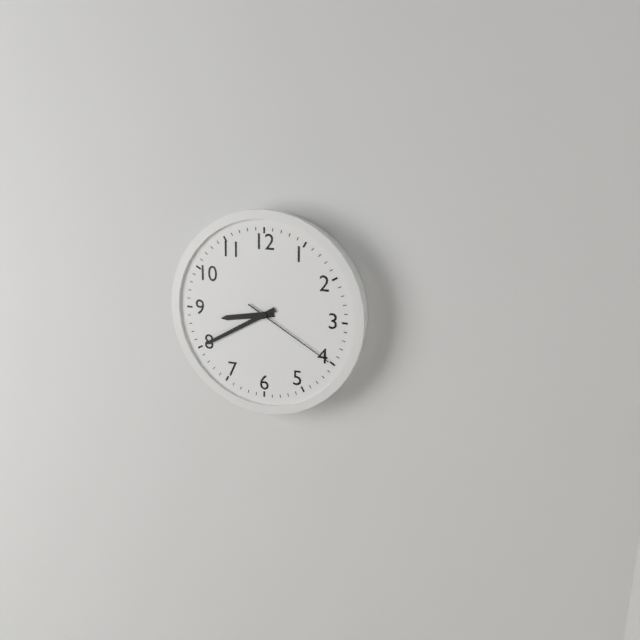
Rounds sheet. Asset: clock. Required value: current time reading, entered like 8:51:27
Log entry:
8:40:20
